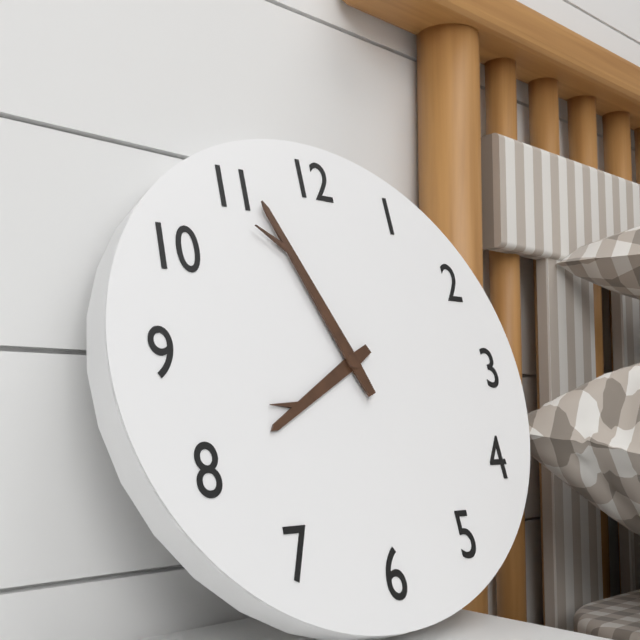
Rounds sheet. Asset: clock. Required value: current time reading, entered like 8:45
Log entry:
7:56
